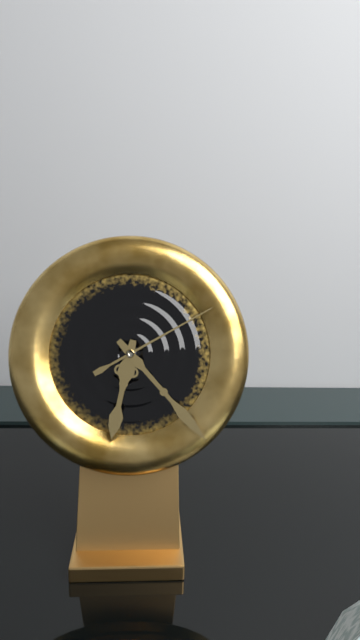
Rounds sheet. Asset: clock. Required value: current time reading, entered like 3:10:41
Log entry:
6:23:10
